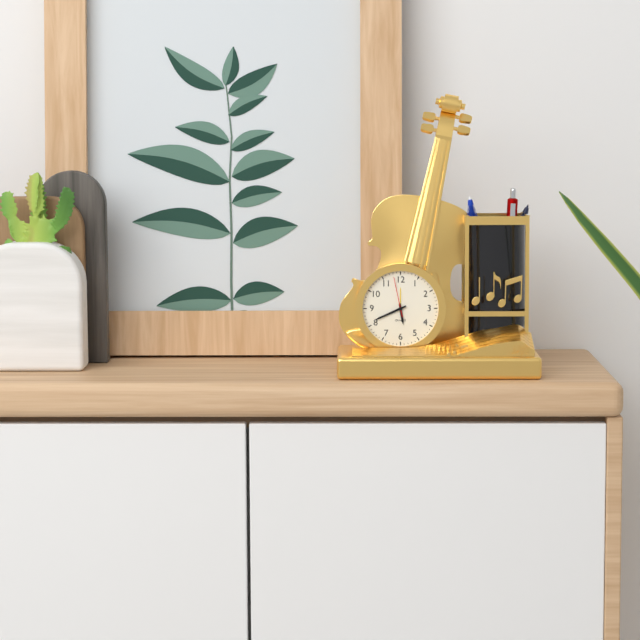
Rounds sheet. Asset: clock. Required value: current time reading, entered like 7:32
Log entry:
5:41
